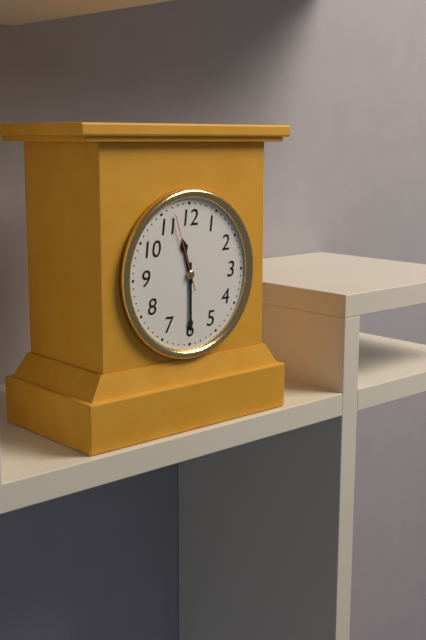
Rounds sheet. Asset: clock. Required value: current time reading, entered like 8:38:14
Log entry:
11:30:57
